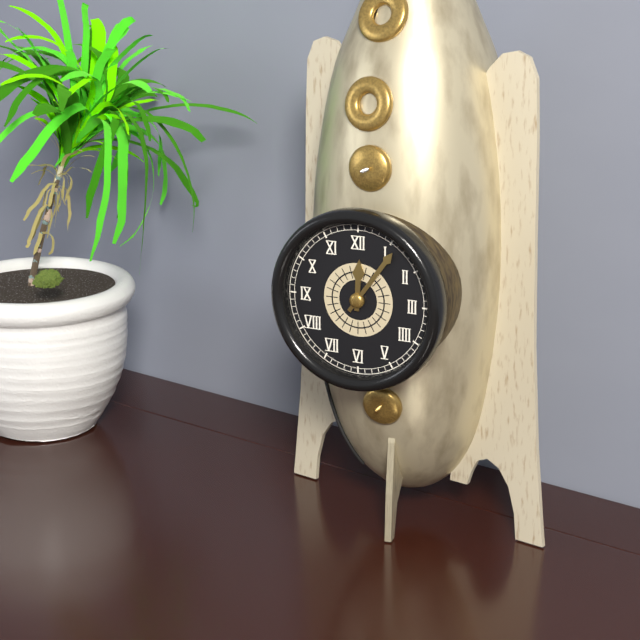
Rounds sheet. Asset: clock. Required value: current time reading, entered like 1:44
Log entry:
12:06
